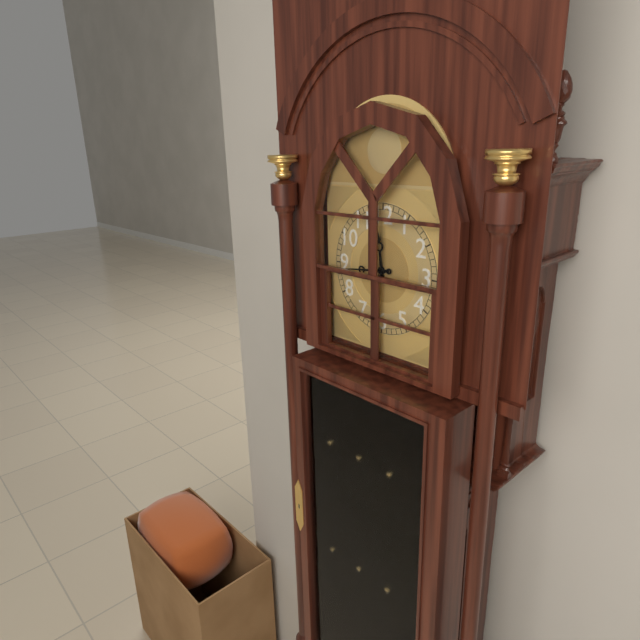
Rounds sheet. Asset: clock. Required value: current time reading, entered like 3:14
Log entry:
11:44
